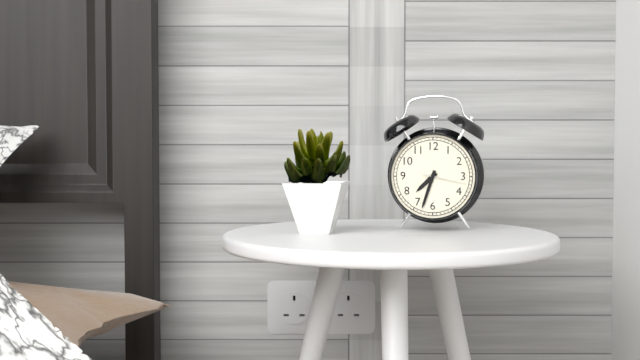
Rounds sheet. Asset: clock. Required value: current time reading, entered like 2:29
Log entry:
7:33
